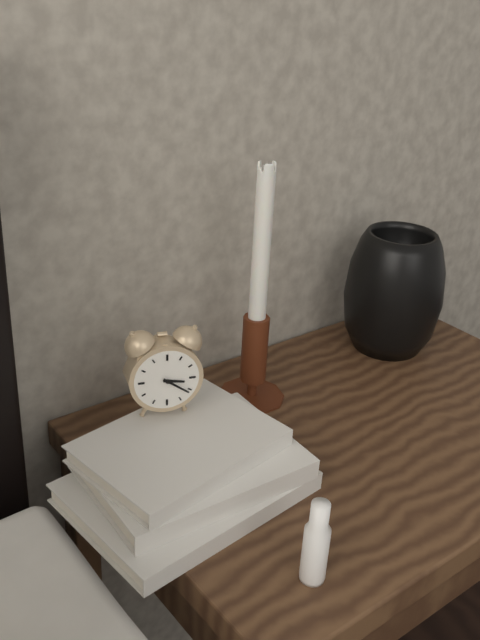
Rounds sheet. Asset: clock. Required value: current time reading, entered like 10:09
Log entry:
3:21
